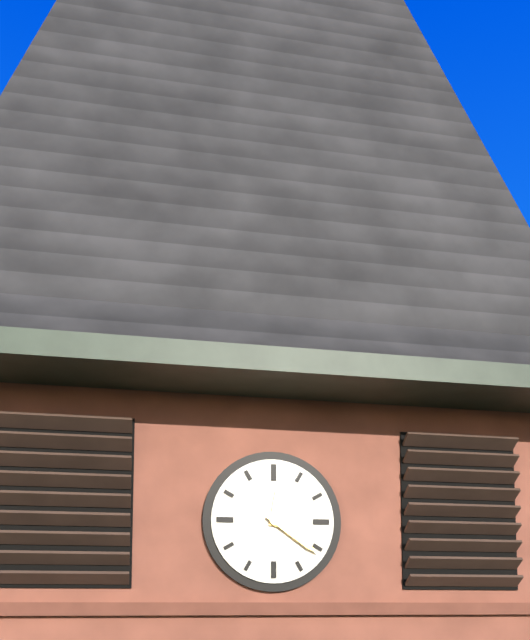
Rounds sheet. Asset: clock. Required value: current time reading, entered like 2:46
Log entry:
12:21
